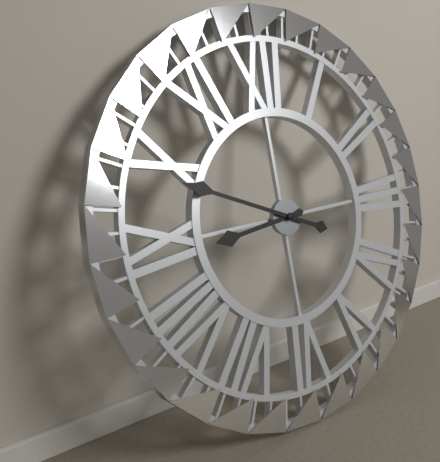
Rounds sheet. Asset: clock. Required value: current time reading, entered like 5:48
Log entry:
8:49
